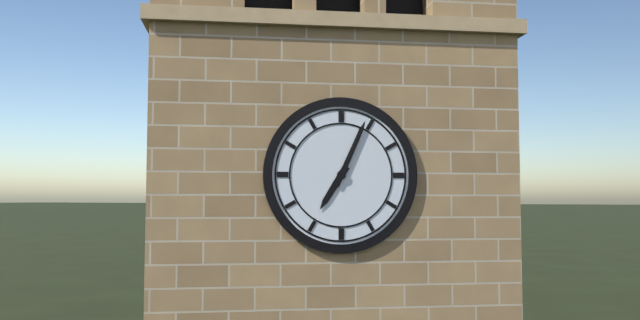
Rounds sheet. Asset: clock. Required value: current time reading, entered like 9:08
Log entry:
7:04
